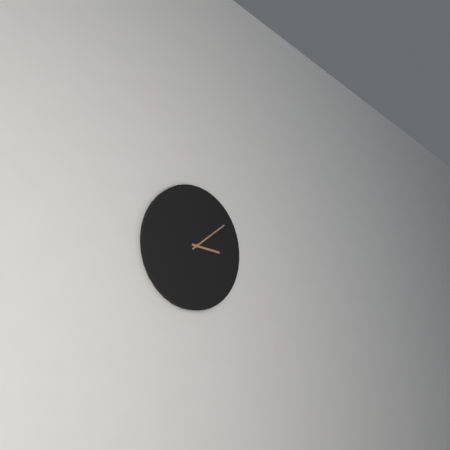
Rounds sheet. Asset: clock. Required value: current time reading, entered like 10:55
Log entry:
3:09
